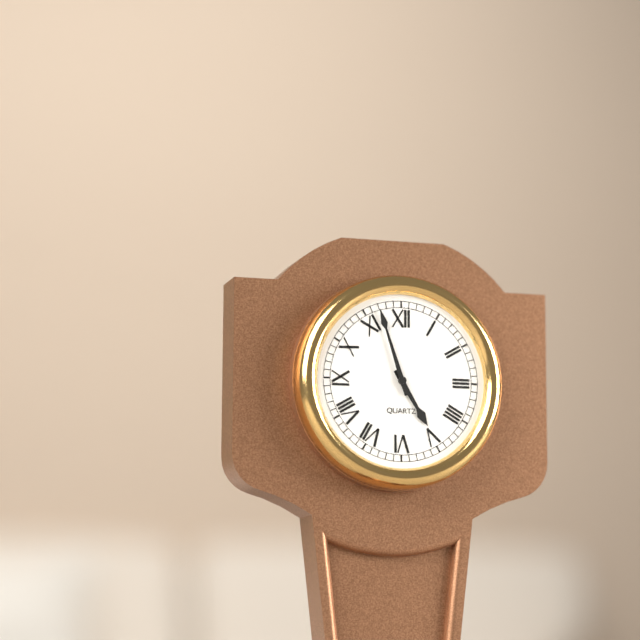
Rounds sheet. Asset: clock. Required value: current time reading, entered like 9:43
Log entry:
4:57
